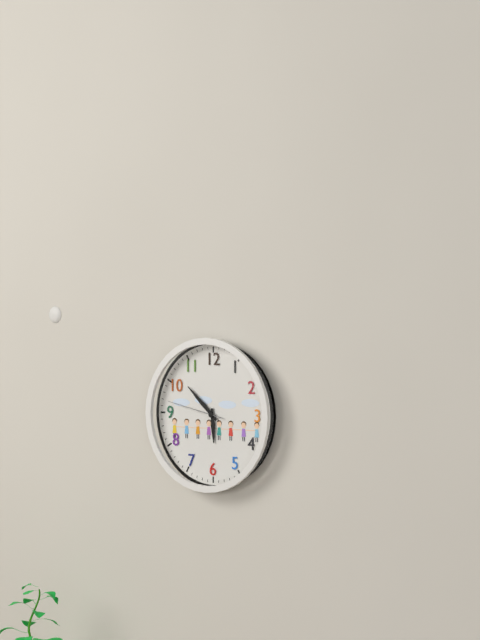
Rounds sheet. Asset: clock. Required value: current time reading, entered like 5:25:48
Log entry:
5:52:47
